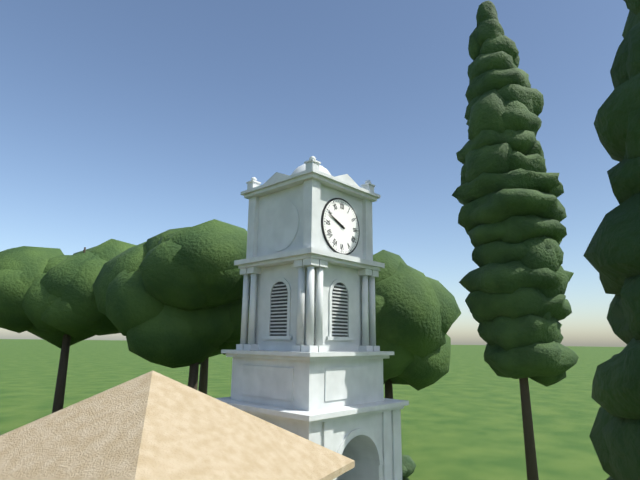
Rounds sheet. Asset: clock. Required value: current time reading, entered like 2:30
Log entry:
9:49
